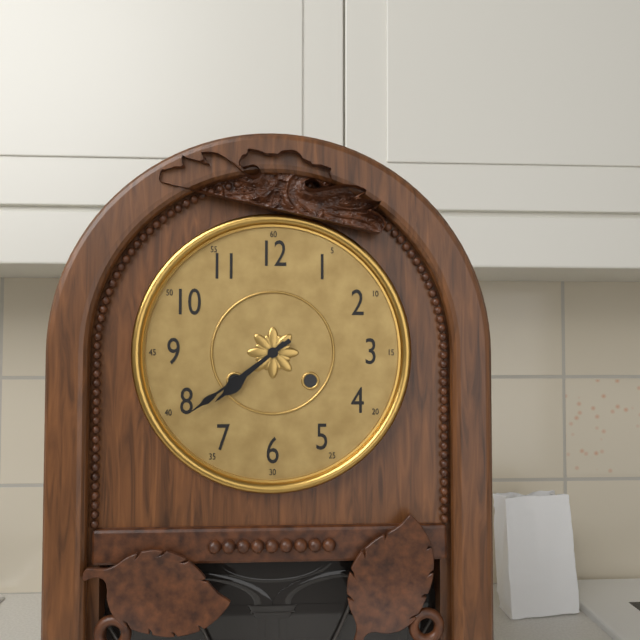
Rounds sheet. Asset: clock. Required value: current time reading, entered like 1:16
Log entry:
7:39
